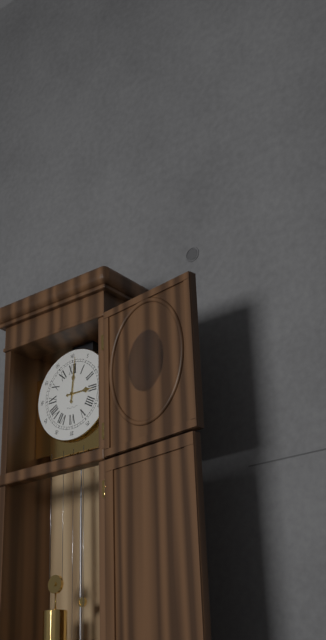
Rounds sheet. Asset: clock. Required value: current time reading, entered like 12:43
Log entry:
3:01
